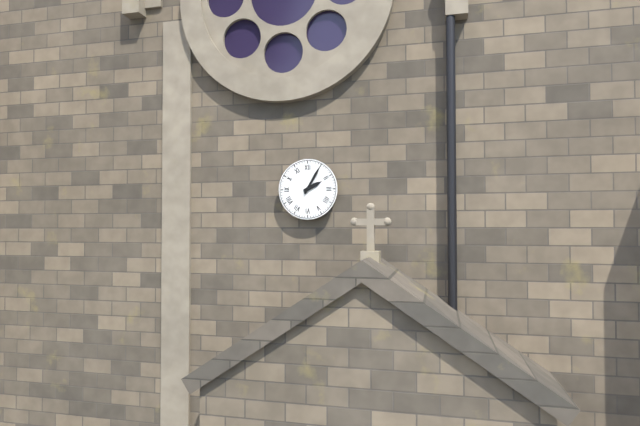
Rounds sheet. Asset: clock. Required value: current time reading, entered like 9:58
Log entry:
2:05
